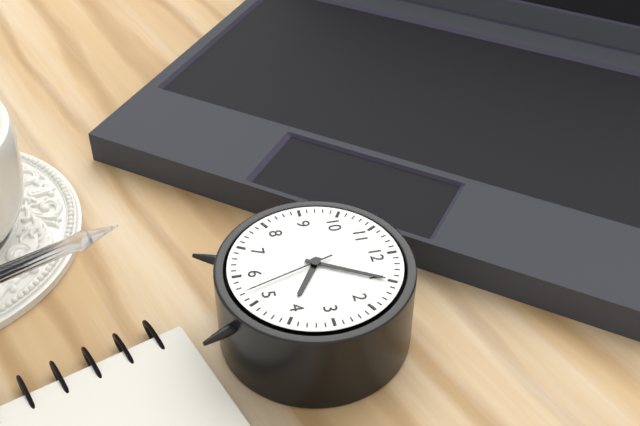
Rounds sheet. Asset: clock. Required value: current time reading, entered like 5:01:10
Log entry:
4:05:27
